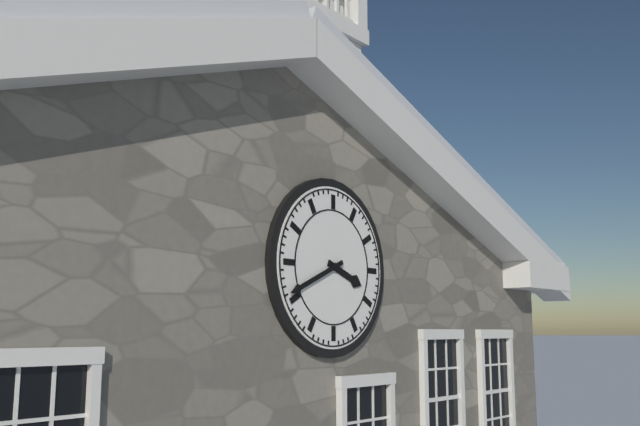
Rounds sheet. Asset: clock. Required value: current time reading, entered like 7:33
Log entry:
3:41
